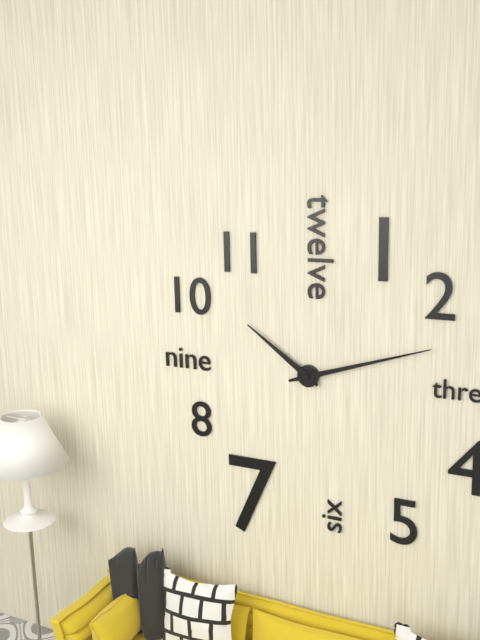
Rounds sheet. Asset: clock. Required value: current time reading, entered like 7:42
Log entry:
10:12
